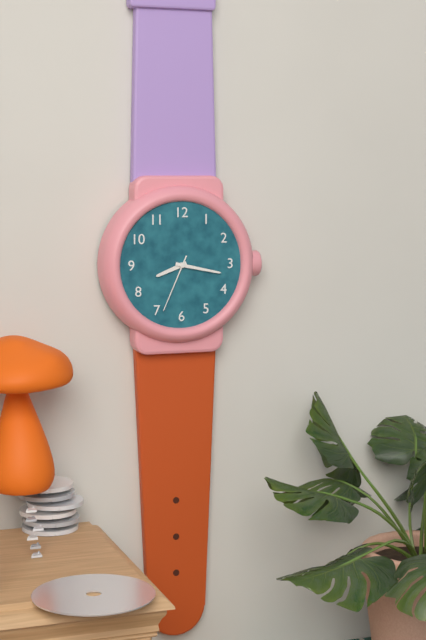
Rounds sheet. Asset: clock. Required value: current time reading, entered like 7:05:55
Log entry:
8:17:34
